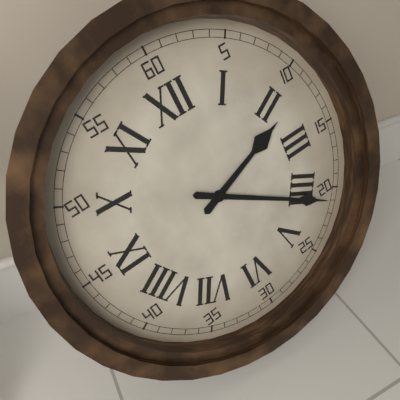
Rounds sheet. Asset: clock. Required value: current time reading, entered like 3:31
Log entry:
2:21
